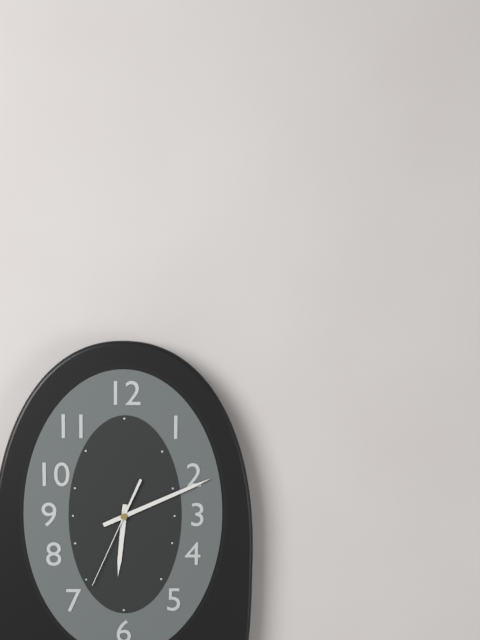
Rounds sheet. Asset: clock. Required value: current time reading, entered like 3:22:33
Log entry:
6:11:34
